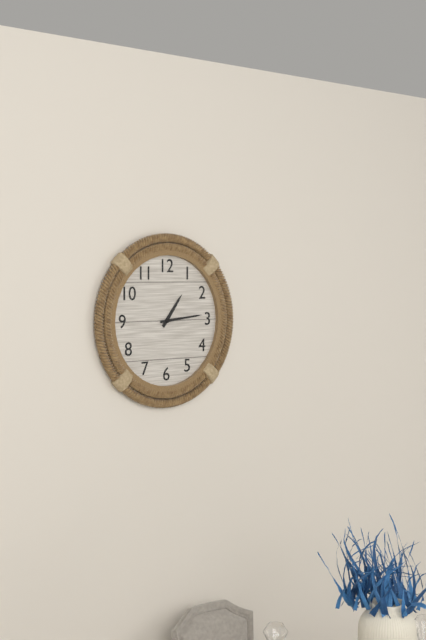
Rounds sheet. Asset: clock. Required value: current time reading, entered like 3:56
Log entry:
1:14
